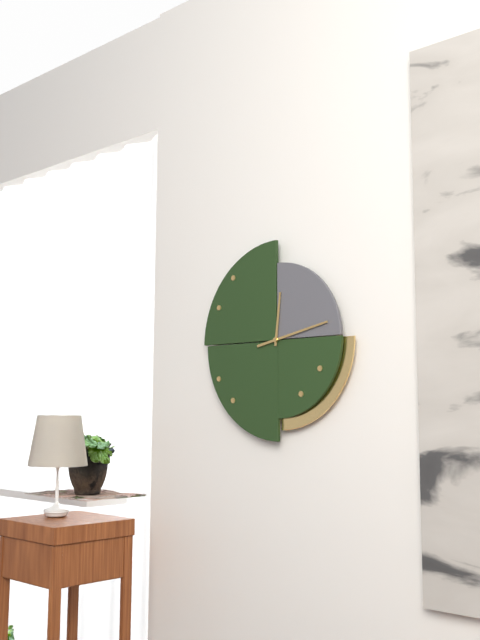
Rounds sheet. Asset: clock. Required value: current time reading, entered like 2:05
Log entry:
12:13
